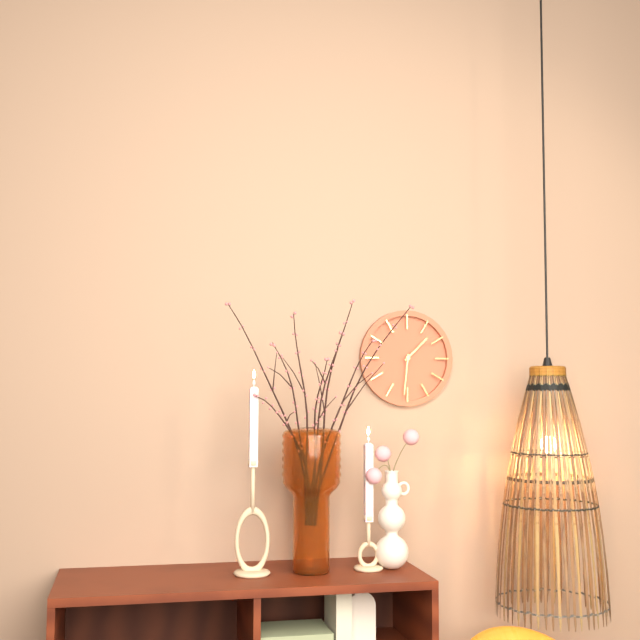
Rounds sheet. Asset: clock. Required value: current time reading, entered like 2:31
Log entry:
1:31
